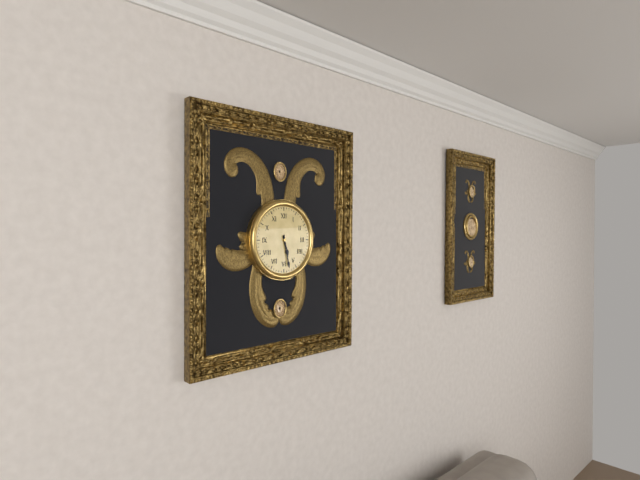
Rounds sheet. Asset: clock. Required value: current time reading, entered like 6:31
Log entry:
5:28
